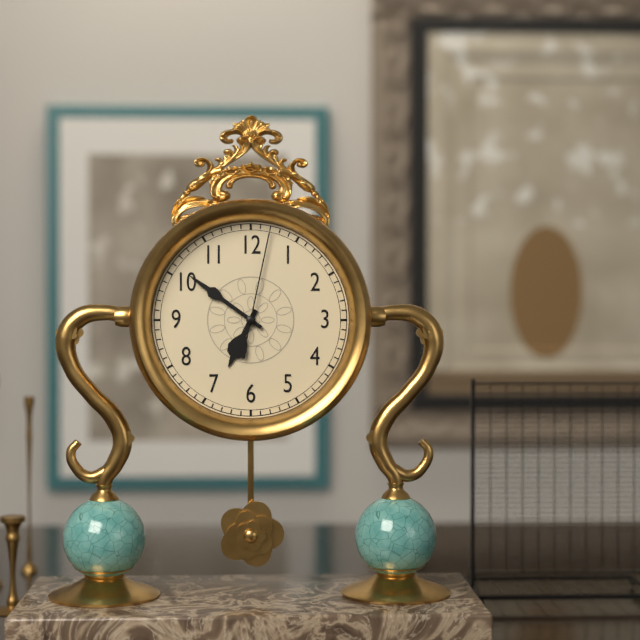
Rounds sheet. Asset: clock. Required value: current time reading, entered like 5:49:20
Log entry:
6:51:02
